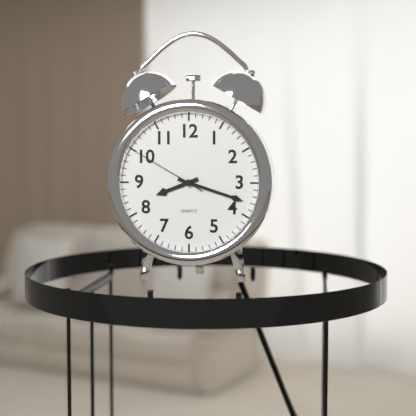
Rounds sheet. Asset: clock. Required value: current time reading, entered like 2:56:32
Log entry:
8:18:50
